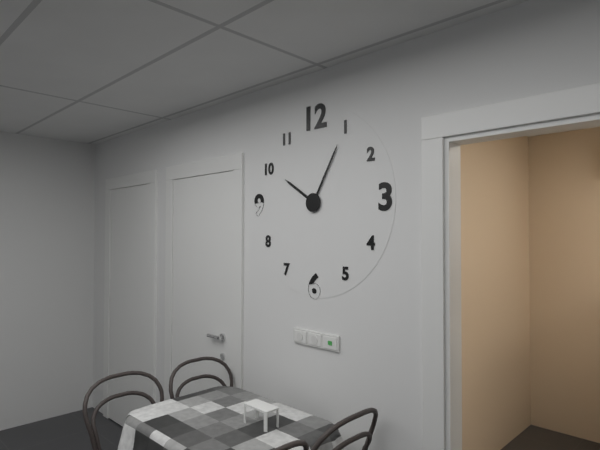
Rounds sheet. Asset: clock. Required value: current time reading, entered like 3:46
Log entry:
10:05
